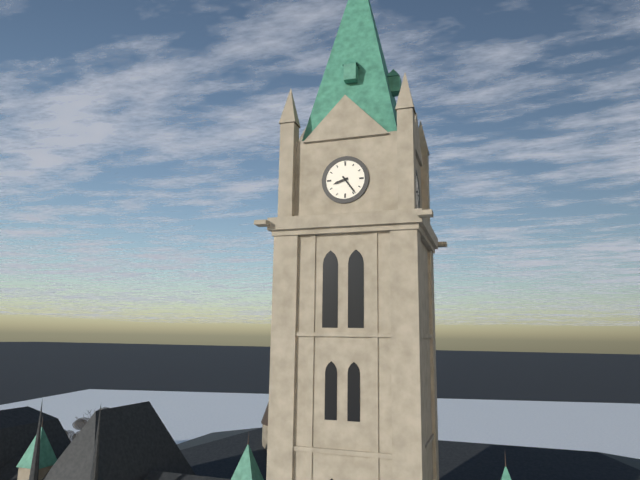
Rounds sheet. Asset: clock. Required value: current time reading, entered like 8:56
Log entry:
8:24
